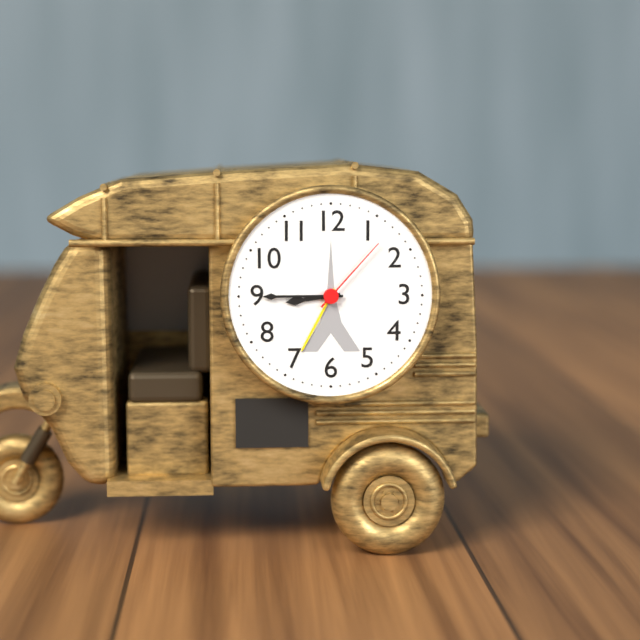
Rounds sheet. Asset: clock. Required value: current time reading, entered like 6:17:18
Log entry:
8:45:07
